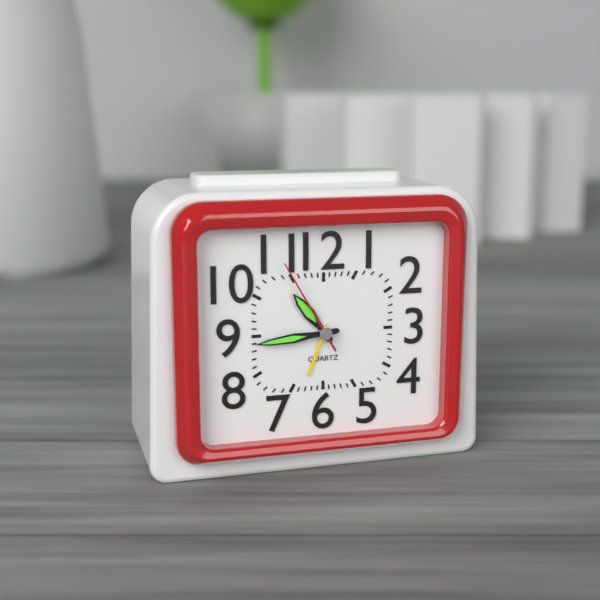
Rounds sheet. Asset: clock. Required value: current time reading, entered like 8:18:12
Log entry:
10:44:55
